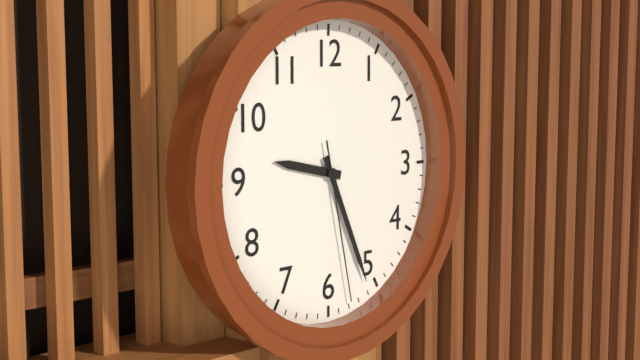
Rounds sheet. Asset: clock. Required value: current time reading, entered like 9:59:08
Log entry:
9:26:28
